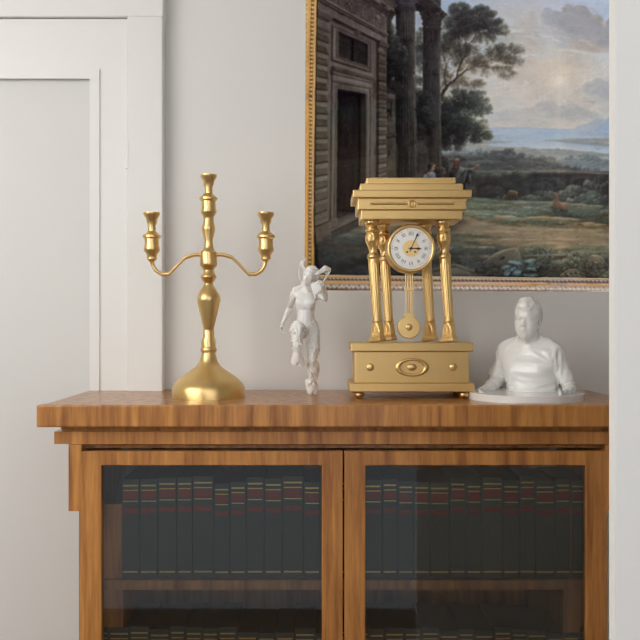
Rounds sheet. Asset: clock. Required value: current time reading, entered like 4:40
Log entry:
3:04
